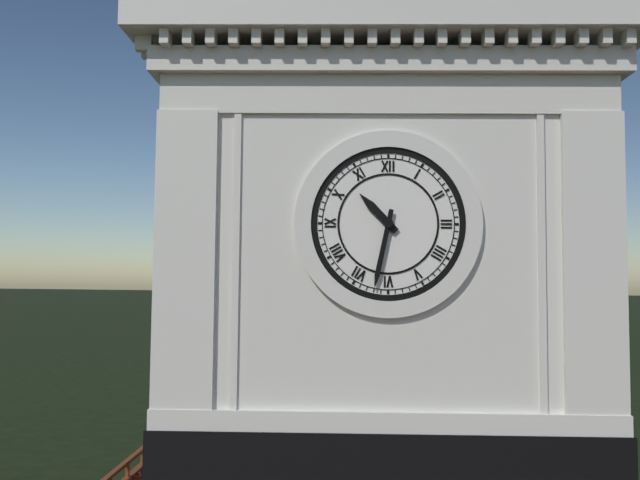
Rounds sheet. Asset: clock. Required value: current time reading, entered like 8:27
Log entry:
10:32
